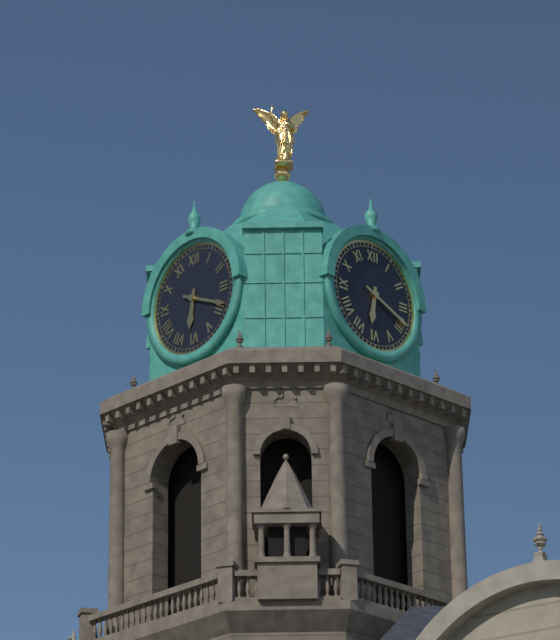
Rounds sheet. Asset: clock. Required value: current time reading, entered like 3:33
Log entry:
6:19
